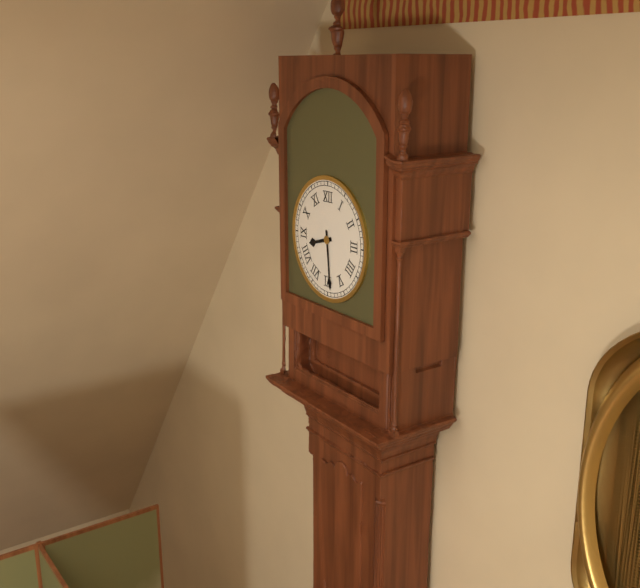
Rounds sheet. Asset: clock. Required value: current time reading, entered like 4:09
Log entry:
8:29
